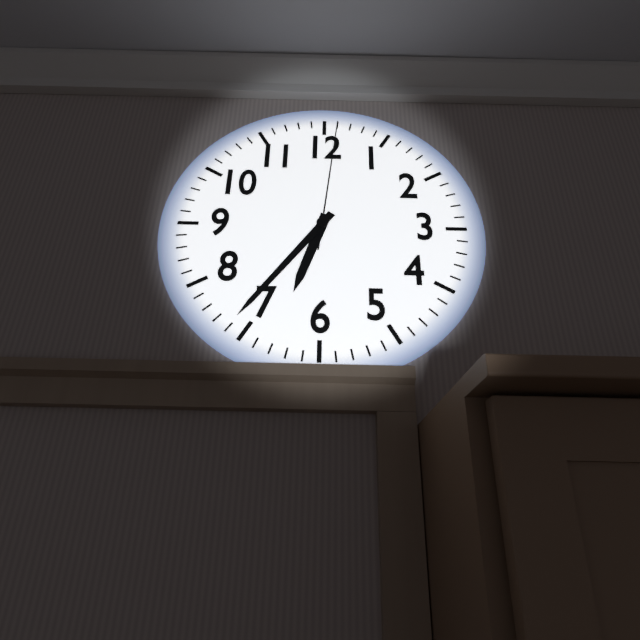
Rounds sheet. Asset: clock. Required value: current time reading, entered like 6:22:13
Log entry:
6:36:01
